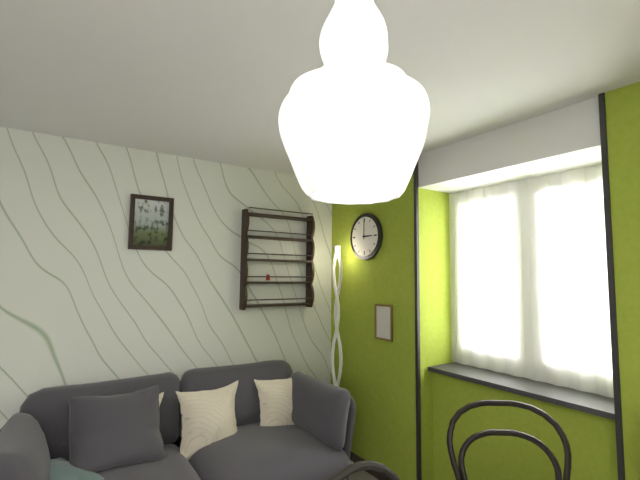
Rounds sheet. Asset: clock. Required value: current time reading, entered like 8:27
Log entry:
3:00
